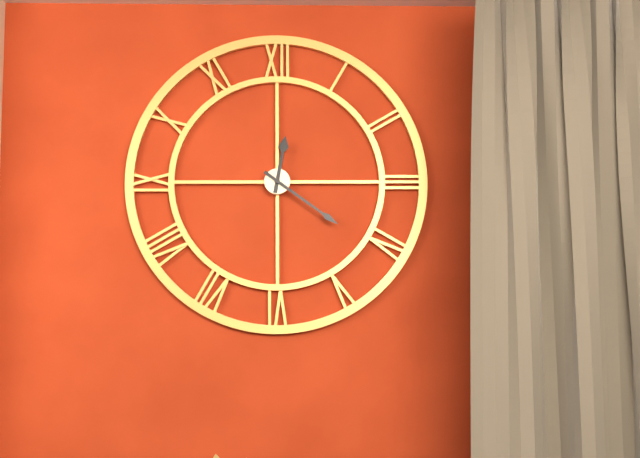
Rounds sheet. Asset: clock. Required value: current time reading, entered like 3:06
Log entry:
12:21
